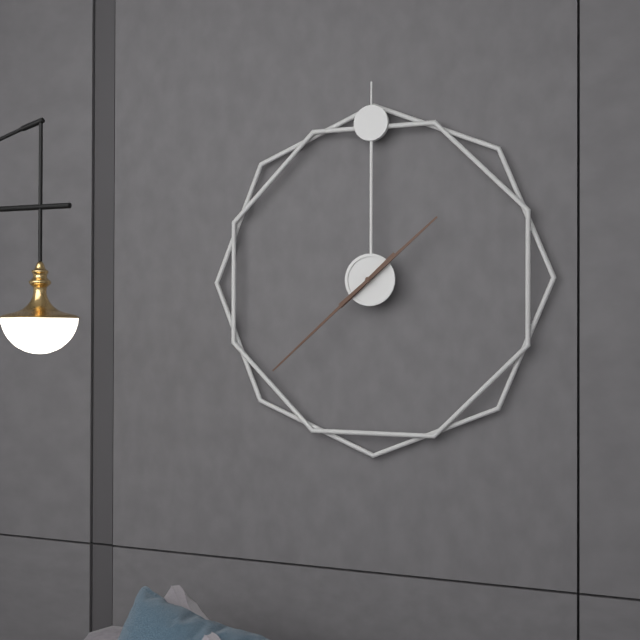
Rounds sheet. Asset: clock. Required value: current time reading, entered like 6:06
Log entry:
1:38
